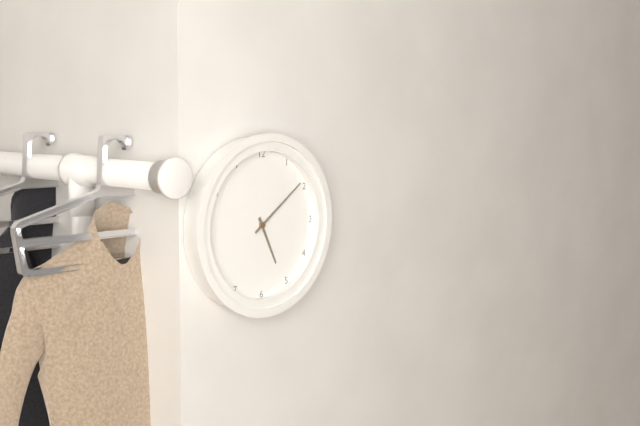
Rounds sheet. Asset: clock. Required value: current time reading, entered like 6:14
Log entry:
5:09
